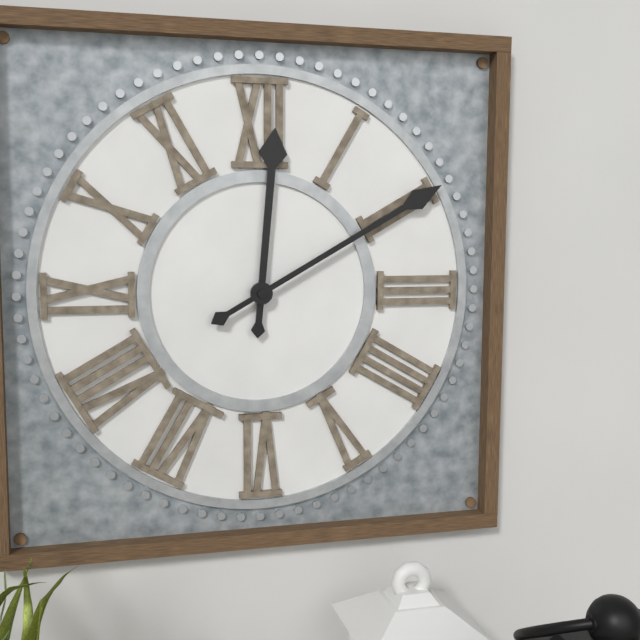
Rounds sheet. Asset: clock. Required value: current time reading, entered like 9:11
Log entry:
12:10
